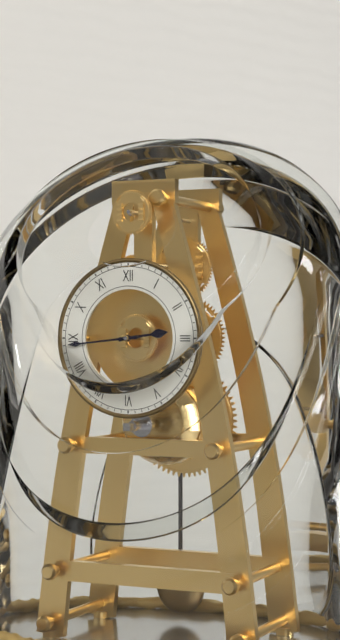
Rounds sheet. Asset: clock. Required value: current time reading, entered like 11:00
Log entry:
2:44
